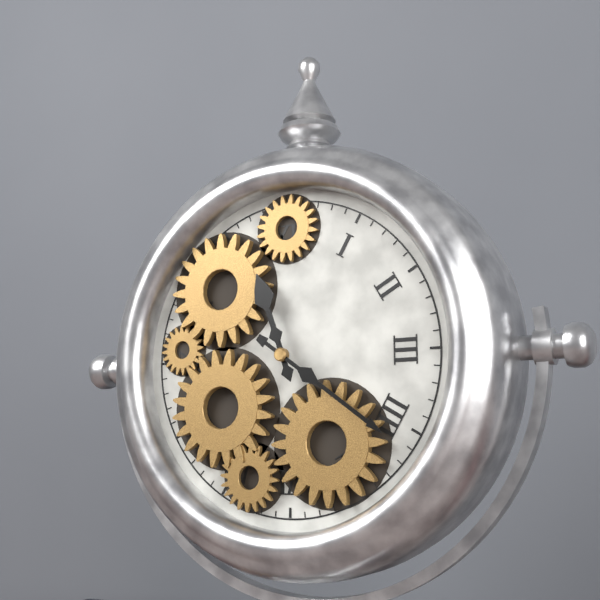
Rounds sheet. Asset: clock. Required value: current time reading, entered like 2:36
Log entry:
11:21
